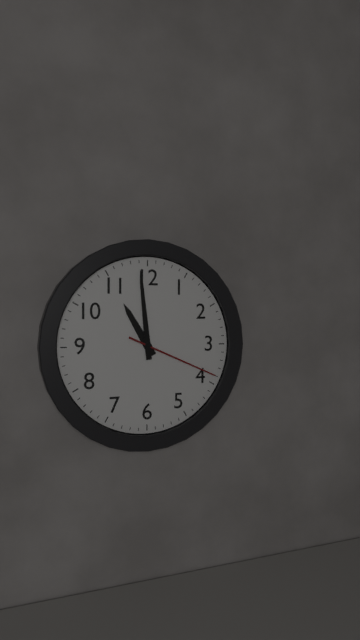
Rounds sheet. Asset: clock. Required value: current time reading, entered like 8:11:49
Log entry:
10:59:19
